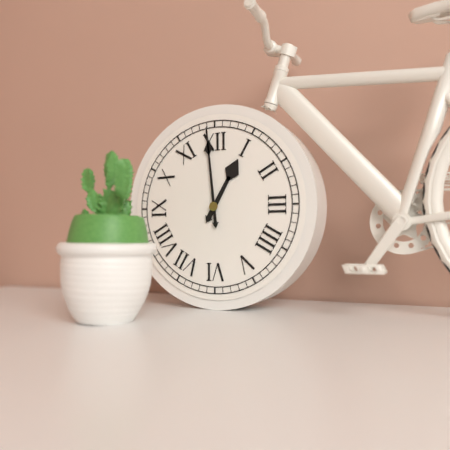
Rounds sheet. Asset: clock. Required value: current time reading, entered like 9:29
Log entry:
12:59
